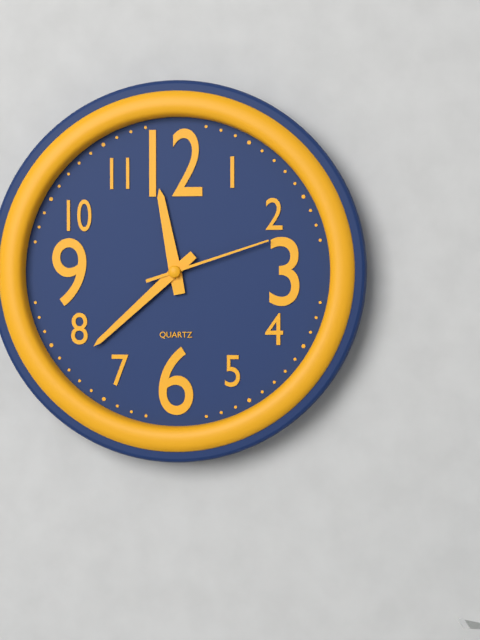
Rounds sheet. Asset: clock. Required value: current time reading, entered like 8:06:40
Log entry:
11:38:12
